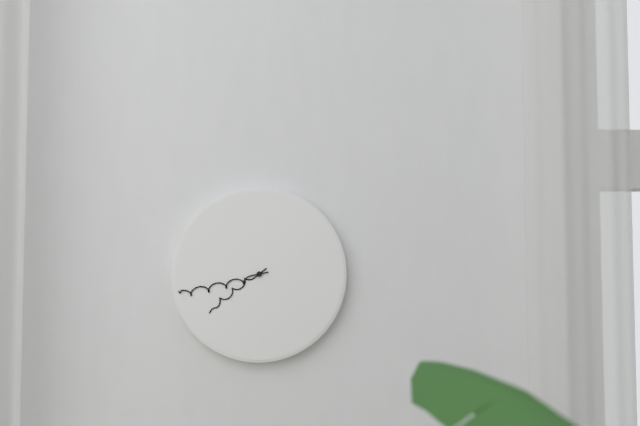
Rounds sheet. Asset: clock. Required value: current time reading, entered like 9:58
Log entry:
7:43
